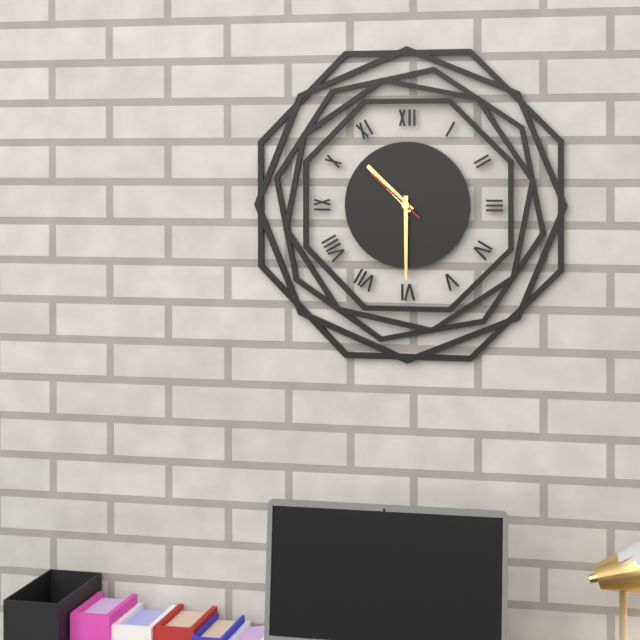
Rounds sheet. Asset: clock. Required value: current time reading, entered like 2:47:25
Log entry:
10:30:52
